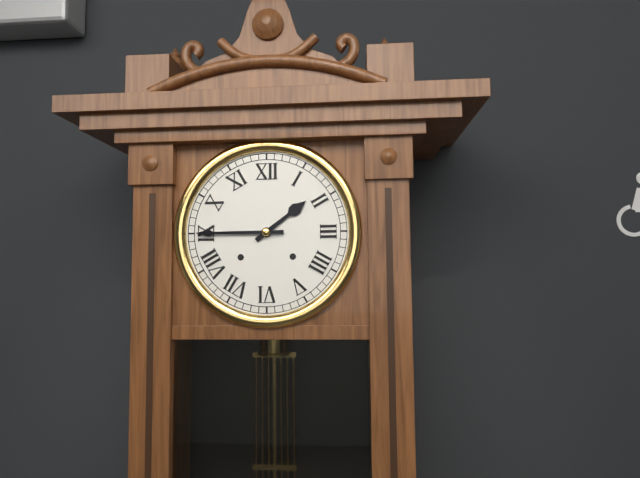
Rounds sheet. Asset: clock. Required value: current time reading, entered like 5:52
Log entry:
1:45
